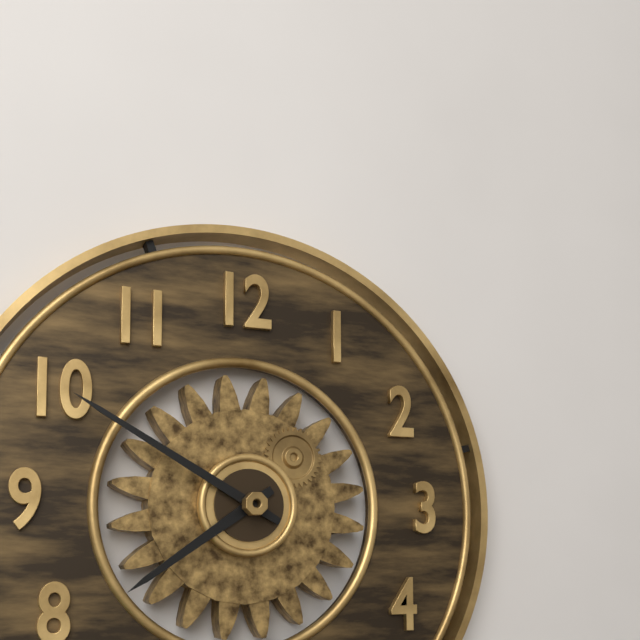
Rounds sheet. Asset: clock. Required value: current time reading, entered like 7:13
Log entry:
7:50
